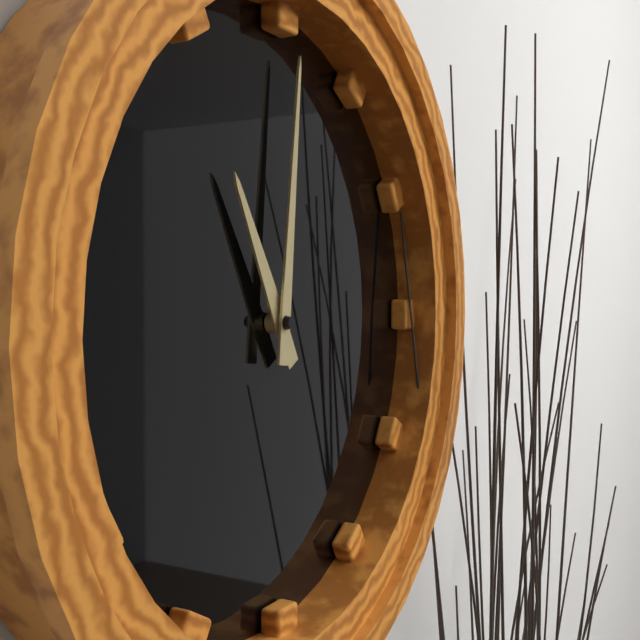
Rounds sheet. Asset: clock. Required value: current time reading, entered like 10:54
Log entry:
11:01
